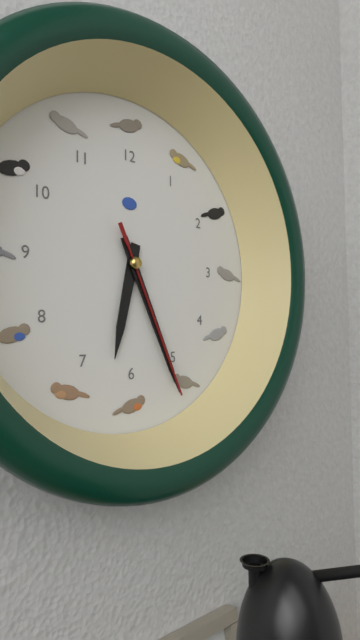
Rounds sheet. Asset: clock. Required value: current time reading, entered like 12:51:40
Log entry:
6:26:26
